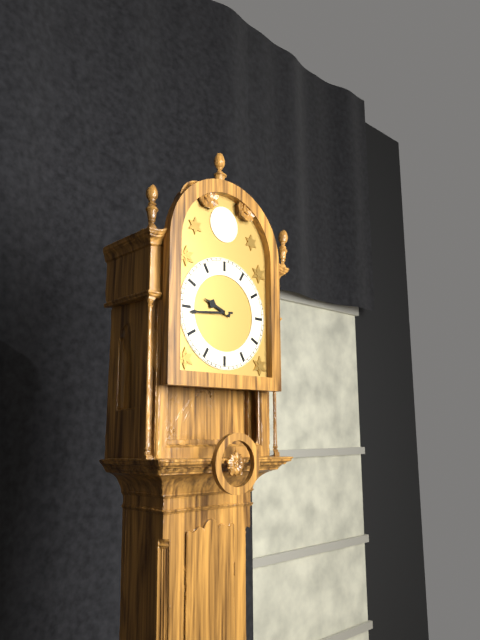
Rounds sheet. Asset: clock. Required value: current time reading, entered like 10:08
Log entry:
9:44
